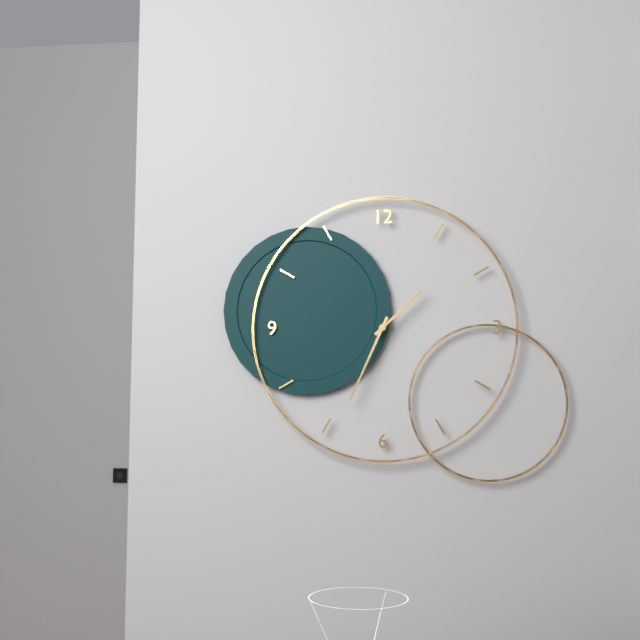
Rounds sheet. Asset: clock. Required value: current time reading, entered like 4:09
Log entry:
1:34
